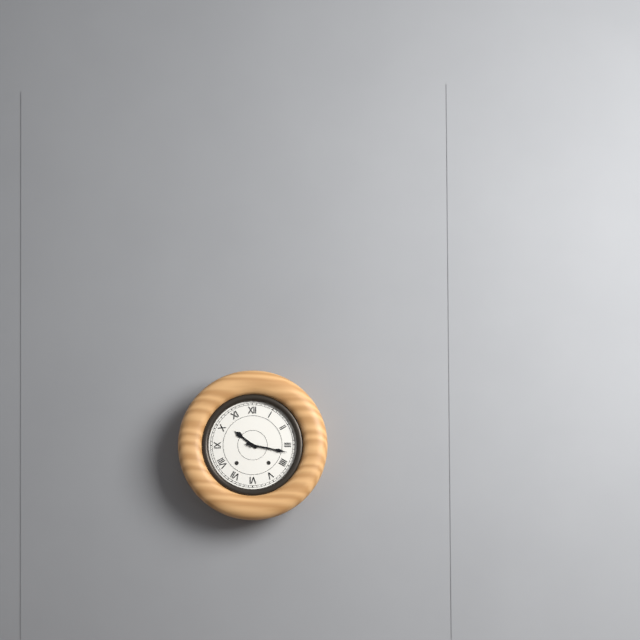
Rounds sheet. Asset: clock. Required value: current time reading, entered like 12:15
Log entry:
10:17
